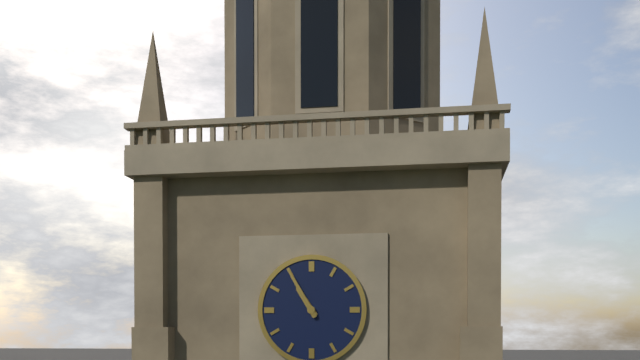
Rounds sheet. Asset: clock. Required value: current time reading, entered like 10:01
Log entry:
10:55
